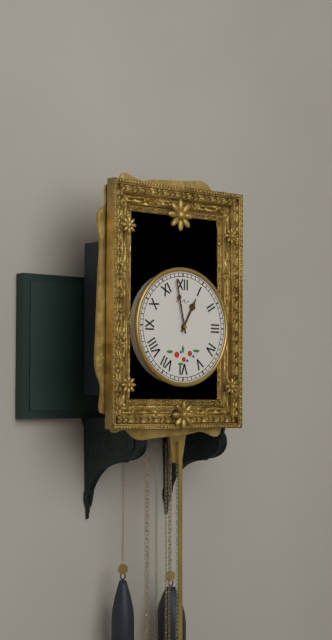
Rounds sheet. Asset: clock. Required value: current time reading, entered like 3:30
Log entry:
12:58
